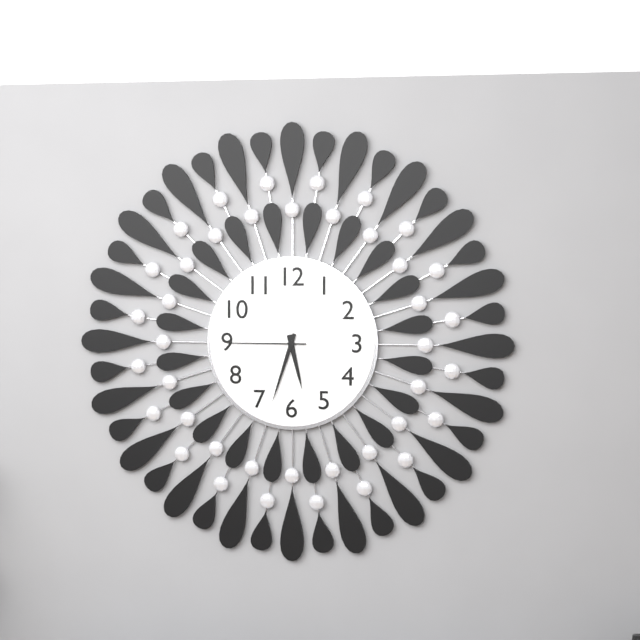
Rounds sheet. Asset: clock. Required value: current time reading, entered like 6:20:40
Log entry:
5:33:45
